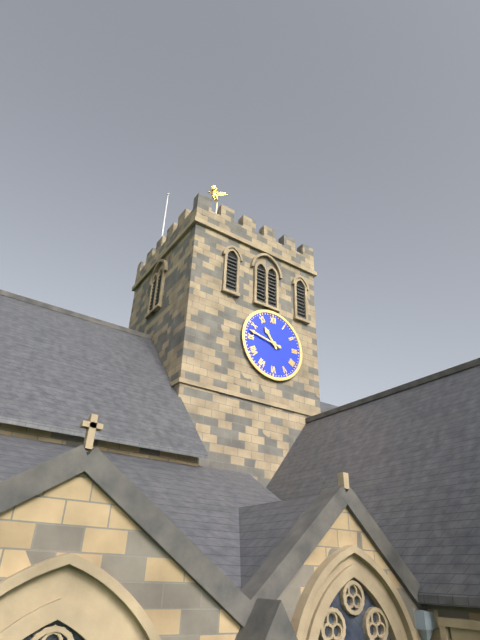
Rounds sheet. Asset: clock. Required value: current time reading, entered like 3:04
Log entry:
10:47
